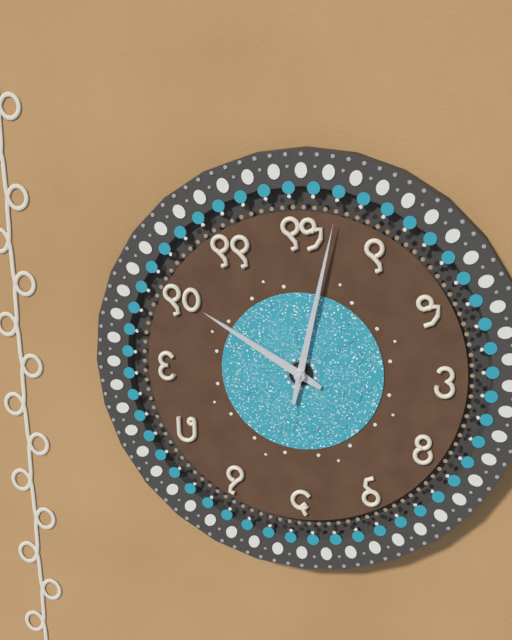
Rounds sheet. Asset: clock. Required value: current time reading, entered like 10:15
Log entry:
10:02
